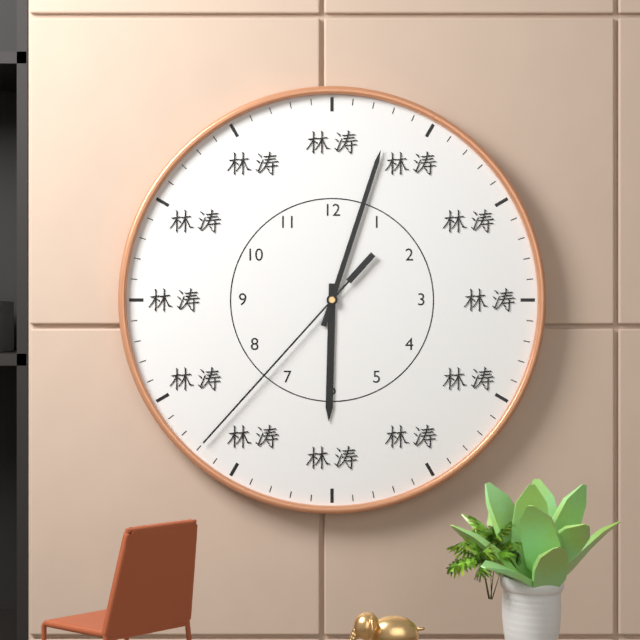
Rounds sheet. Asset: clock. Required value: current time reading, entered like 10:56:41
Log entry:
6:03:37
